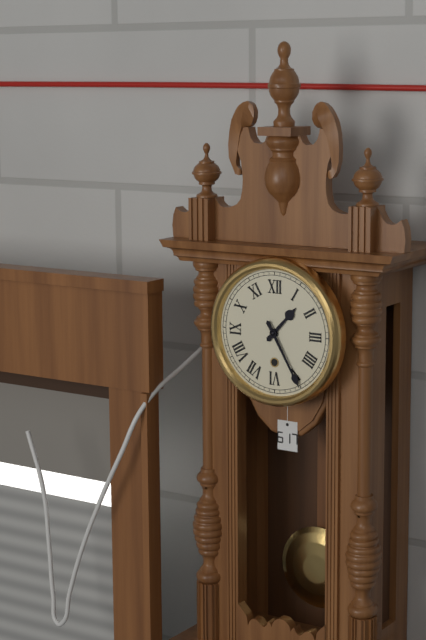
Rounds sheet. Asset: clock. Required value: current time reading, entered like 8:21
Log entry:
1:25
